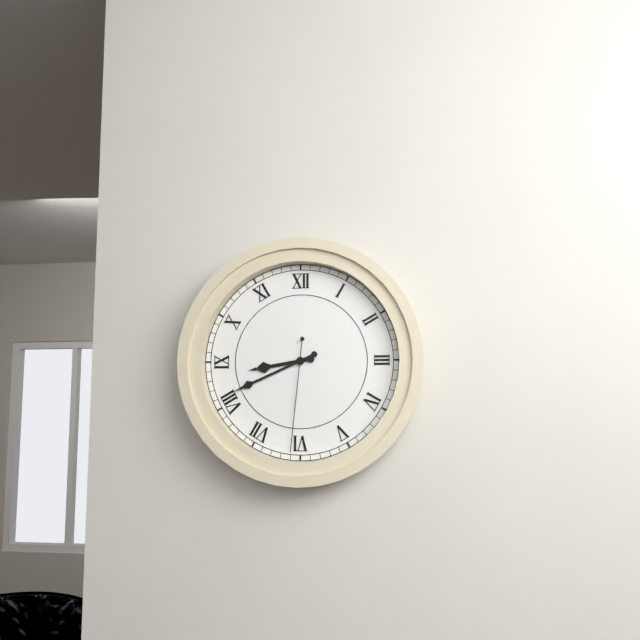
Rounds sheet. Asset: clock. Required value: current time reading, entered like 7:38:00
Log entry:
8:41:31
